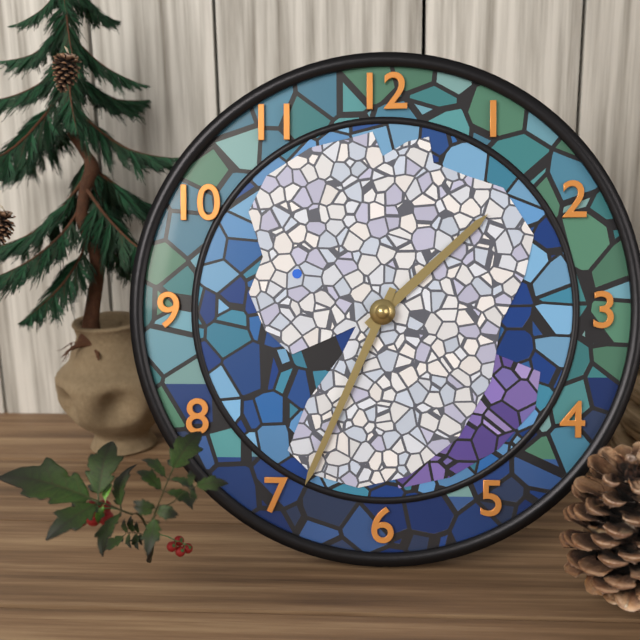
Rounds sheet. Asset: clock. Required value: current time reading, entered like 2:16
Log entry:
1:34
